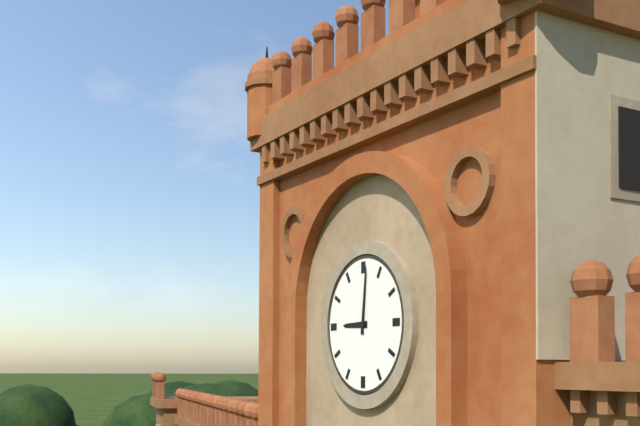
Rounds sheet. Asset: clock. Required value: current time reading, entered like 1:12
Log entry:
9:01
